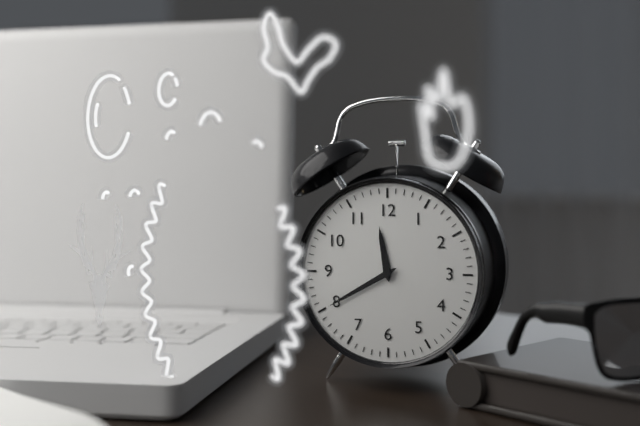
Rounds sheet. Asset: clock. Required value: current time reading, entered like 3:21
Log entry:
11:40
